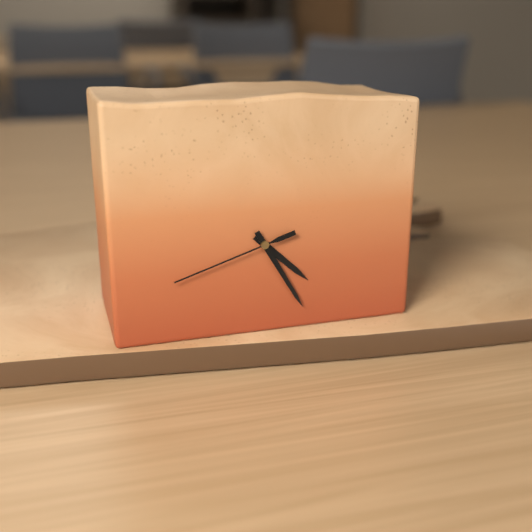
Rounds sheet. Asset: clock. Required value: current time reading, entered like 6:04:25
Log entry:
4:25:42
